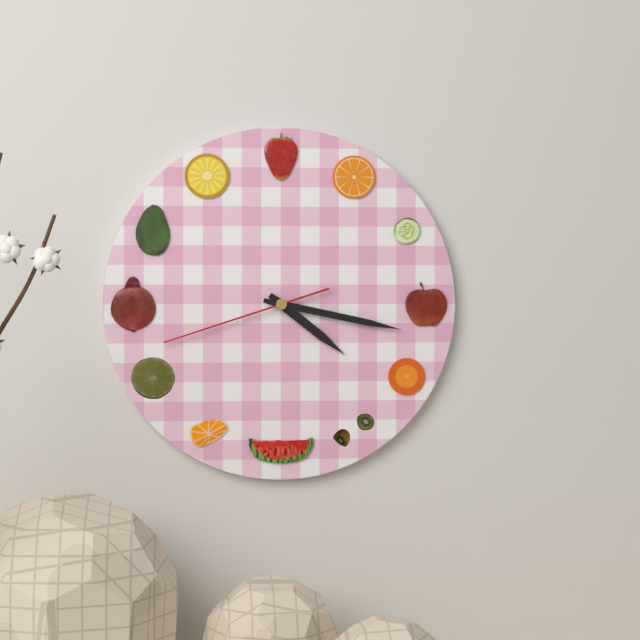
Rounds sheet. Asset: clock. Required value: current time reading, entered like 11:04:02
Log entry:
4:17:42
